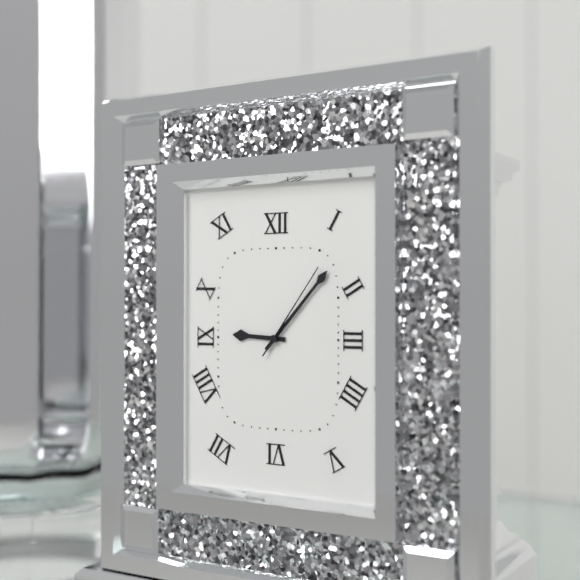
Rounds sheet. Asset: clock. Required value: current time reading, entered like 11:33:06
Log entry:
9:07:06
